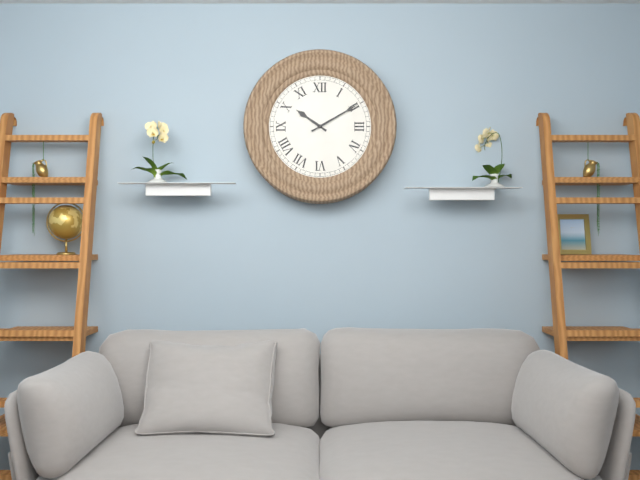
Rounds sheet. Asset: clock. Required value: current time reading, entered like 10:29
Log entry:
10:10
